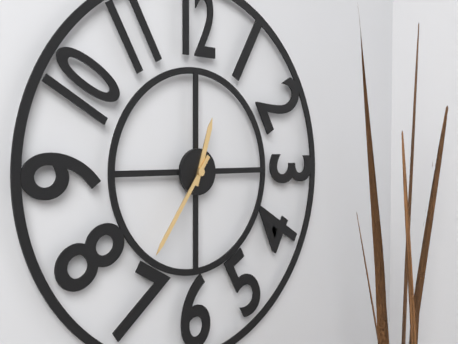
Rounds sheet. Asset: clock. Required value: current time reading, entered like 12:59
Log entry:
12:36
